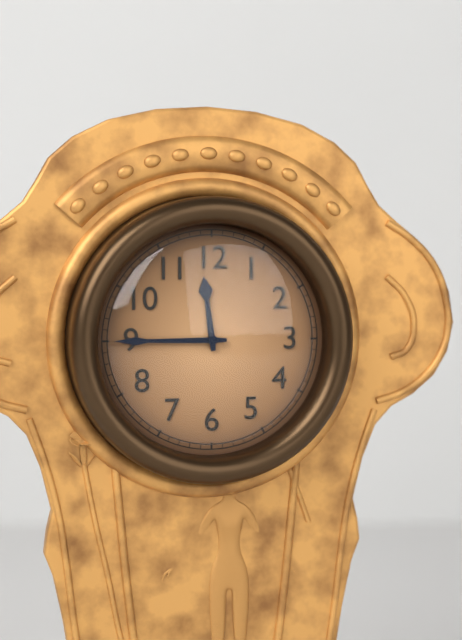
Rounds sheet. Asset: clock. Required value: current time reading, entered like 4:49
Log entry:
11:45
